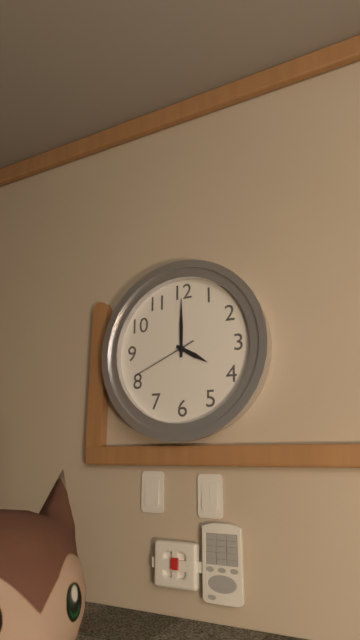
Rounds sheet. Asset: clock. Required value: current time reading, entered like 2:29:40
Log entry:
4:00:41
